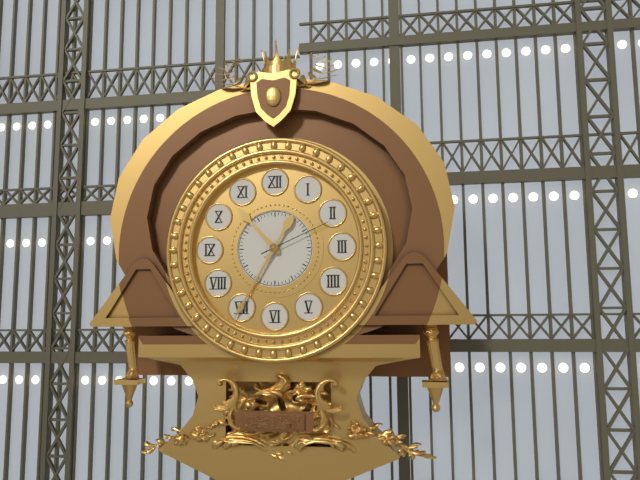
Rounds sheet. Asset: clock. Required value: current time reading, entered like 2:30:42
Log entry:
10:35:11
